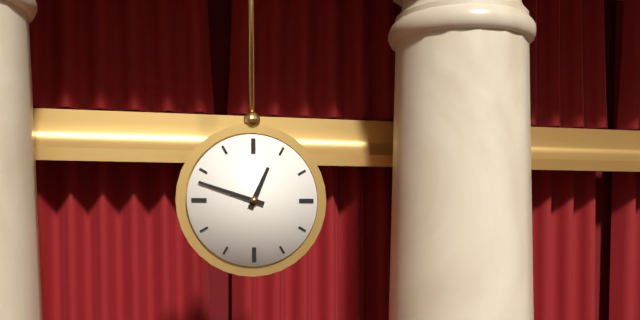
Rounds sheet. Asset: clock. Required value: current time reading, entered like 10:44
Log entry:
12:48
